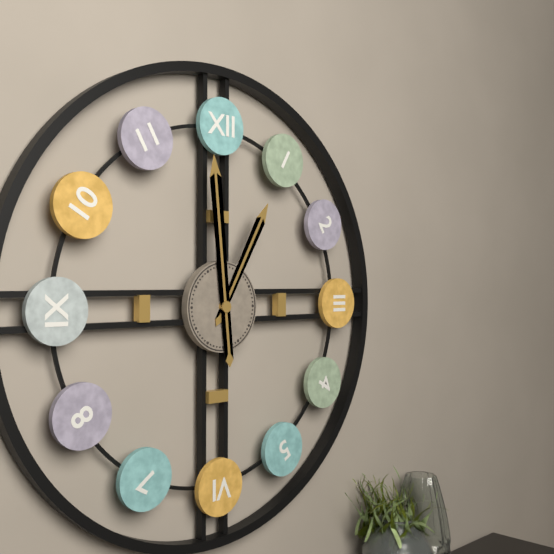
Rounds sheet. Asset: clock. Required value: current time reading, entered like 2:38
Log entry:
12:59
